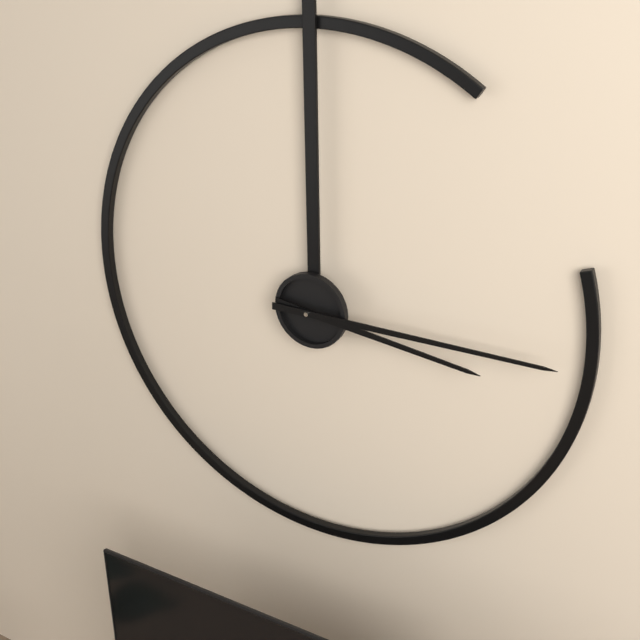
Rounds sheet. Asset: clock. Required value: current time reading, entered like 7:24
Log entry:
3:15
